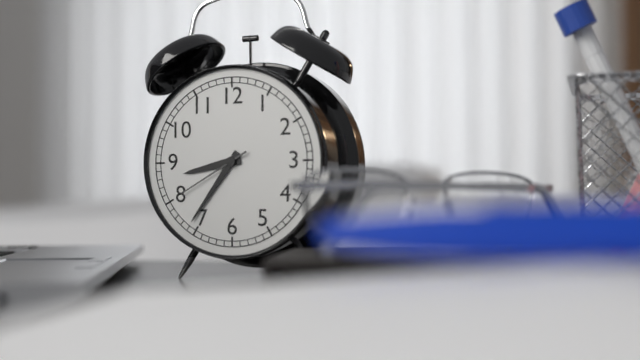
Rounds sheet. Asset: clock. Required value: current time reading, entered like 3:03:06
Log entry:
8:36:40
